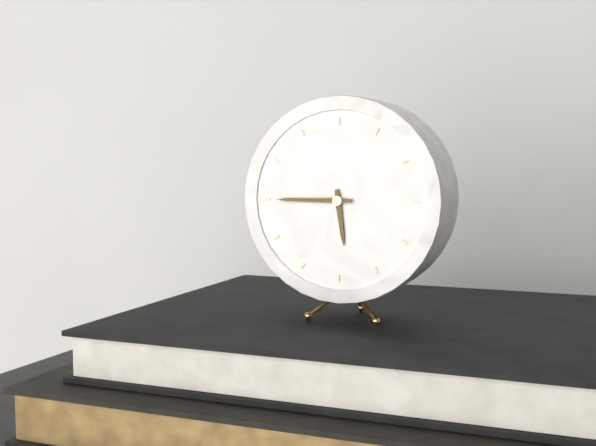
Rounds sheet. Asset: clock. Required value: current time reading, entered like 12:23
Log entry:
5:45
